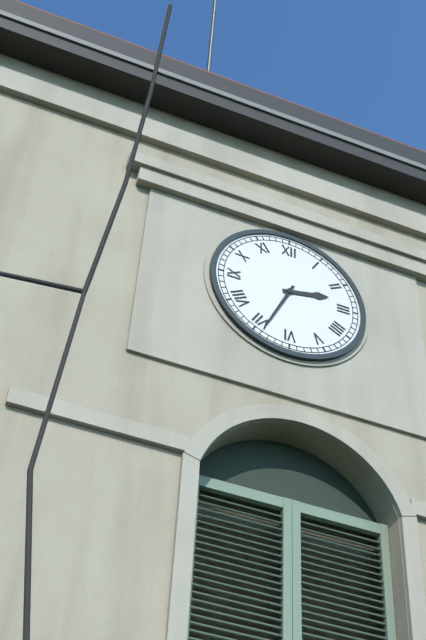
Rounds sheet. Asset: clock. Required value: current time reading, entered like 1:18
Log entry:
2:34
